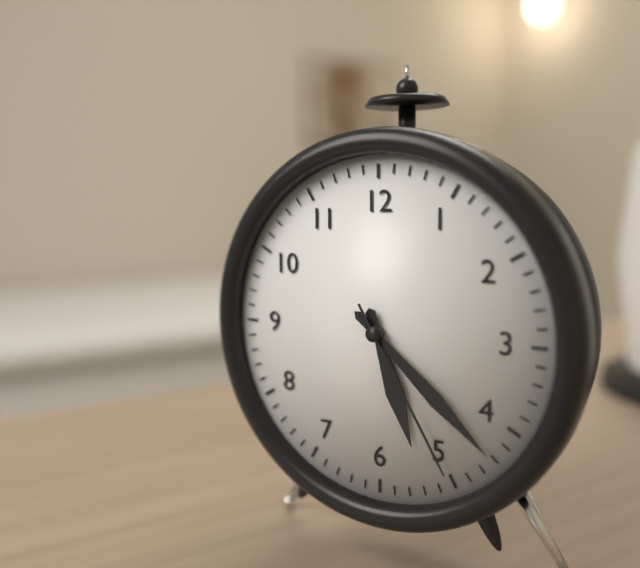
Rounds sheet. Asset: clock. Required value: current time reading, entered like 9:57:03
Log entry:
5:22:25
